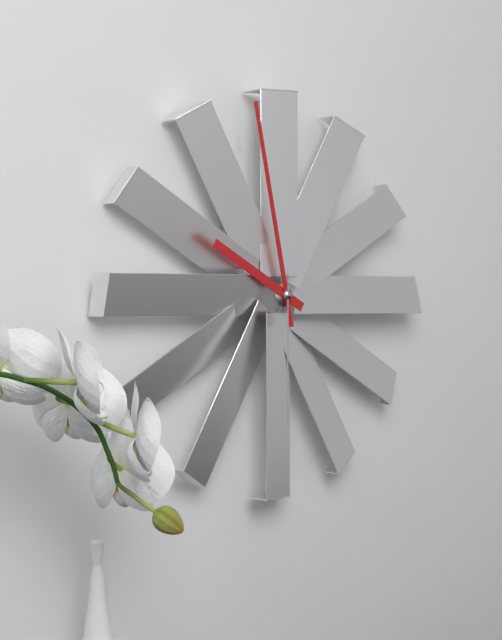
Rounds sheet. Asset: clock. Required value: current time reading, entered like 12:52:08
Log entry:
9:58:30
